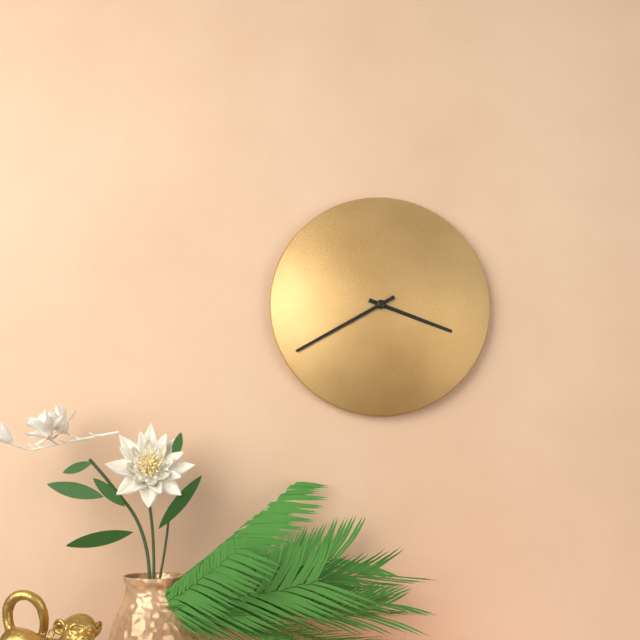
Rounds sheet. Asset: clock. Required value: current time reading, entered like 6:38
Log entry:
3:40
